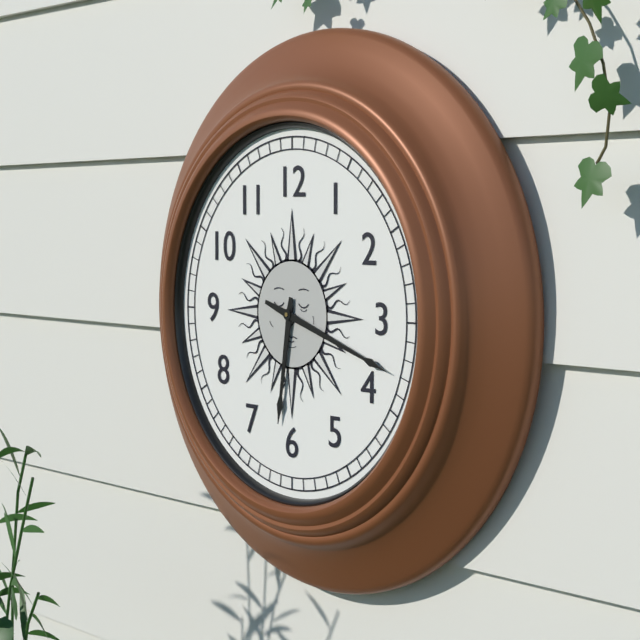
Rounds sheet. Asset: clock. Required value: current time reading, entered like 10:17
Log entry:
6:18
